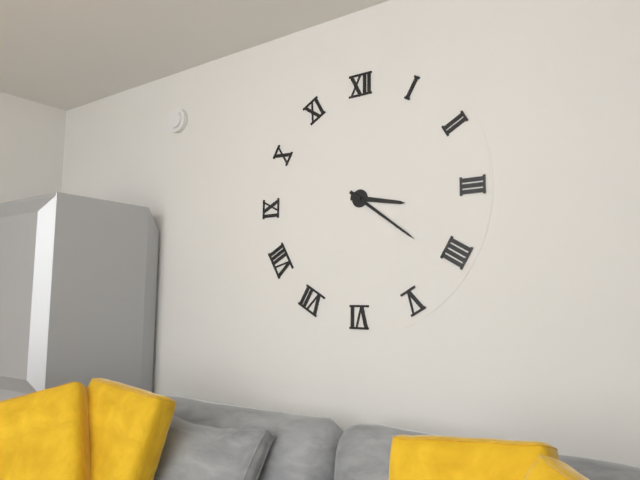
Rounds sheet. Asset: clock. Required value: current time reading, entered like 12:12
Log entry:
3:21
